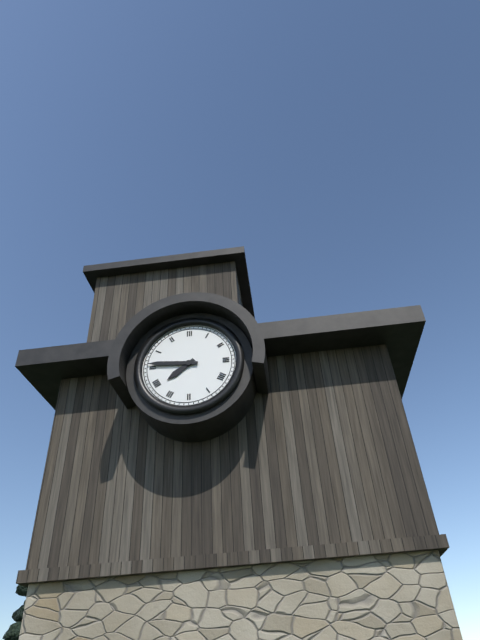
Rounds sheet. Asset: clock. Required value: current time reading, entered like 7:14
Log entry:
7:46
